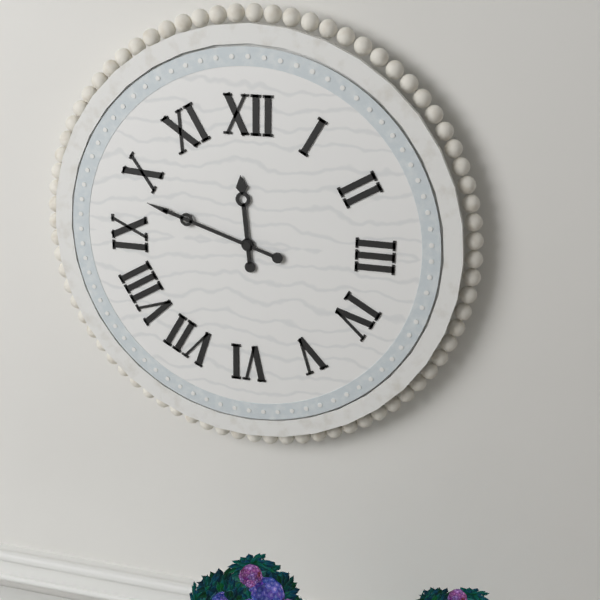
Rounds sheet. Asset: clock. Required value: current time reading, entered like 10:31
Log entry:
11:48
